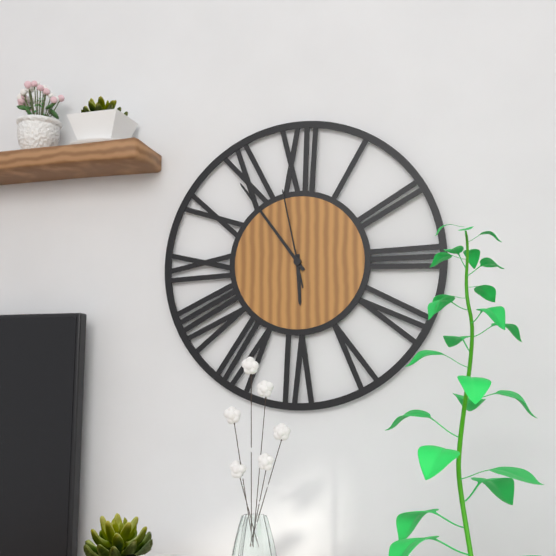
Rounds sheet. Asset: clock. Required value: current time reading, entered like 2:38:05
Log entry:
5:54:58
